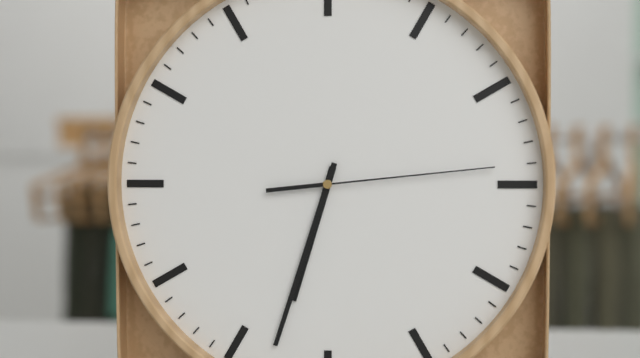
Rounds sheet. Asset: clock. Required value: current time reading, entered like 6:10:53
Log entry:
6:33:14
